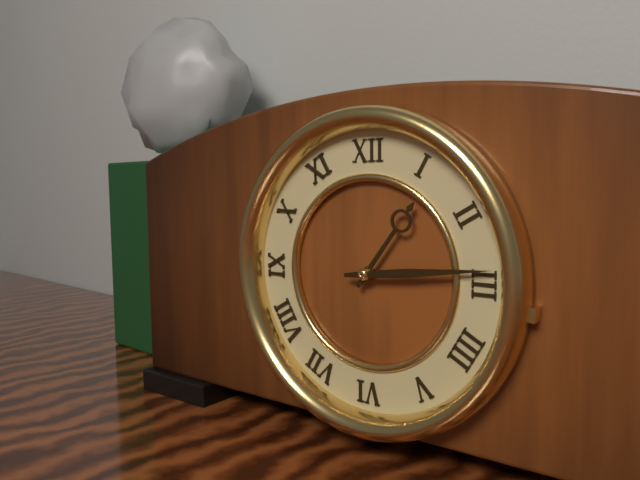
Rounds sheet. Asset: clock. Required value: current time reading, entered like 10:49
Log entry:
1:14
